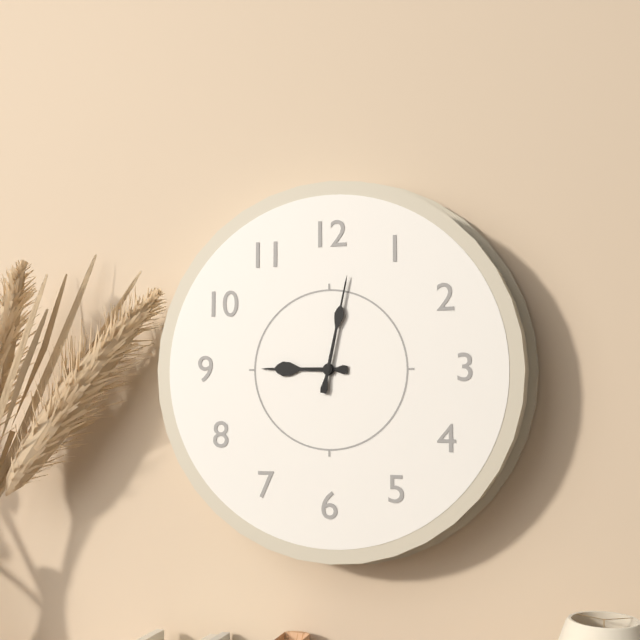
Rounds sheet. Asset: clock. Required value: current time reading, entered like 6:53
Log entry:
9:02
